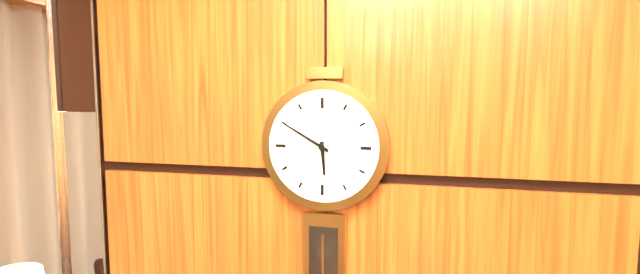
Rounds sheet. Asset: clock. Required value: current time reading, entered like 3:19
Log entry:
5:50
